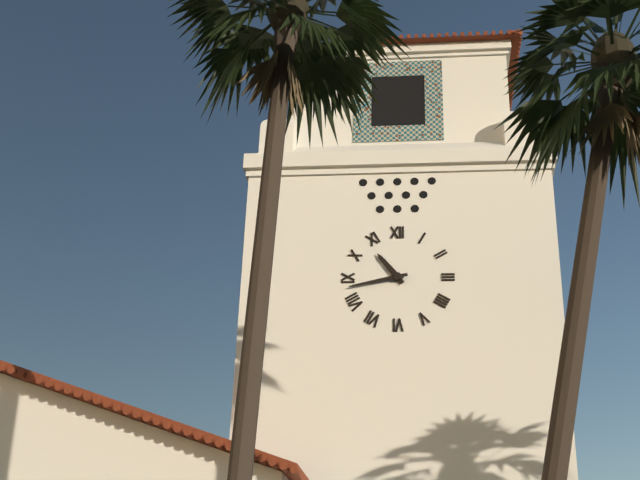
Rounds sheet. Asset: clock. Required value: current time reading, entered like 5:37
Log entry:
10:43
